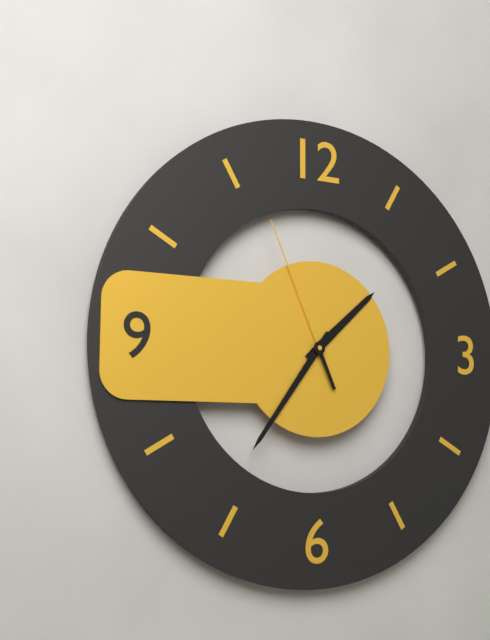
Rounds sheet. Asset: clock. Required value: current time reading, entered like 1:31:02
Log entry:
1:36:56
